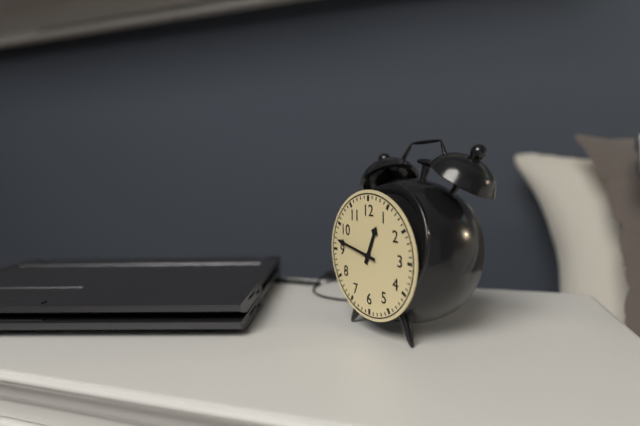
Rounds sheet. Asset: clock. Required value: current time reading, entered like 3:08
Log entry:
12:47
